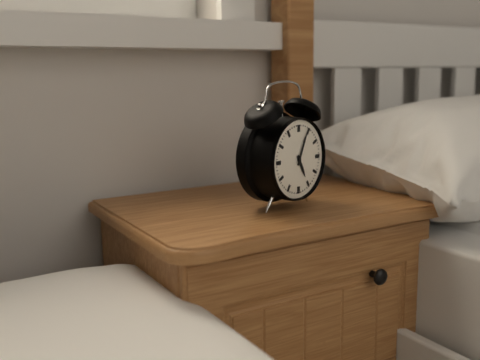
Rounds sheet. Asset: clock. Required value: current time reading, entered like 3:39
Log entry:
5:04
